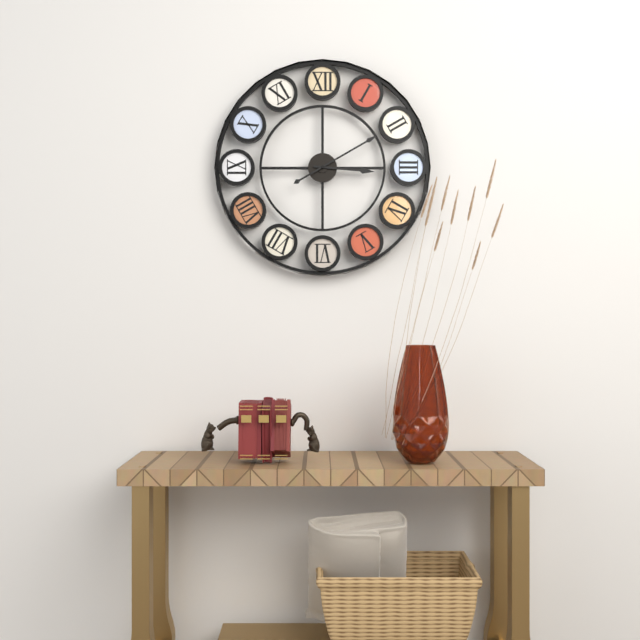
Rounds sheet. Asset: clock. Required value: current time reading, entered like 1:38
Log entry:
3:10
